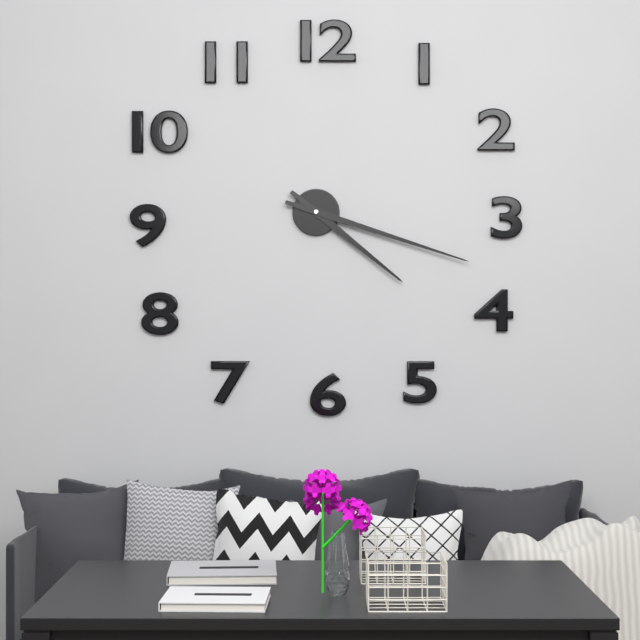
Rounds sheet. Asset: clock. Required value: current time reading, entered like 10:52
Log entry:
4:18
